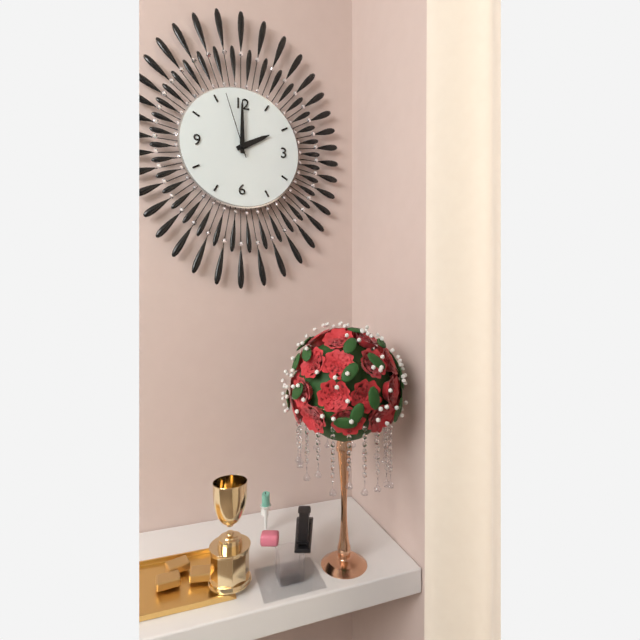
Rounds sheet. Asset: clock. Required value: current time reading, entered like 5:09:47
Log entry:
2:00:57
